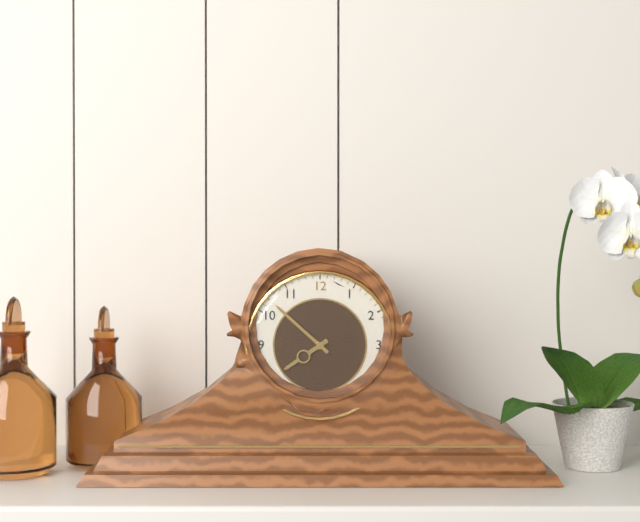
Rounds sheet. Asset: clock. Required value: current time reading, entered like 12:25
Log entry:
7:52
